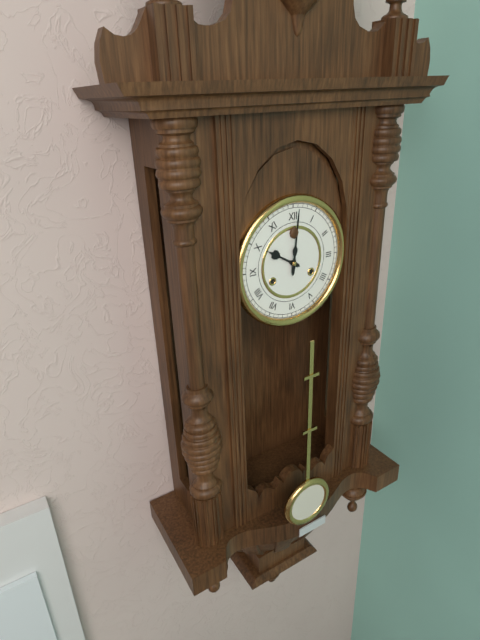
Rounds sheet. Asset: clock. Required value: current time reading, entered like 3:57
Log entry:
10:01
